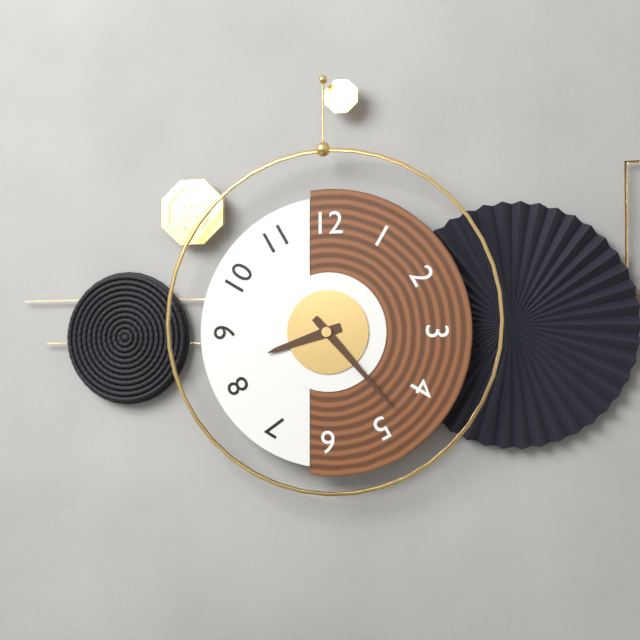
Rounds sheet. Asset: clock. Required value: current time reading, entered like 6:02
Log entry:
8:23
